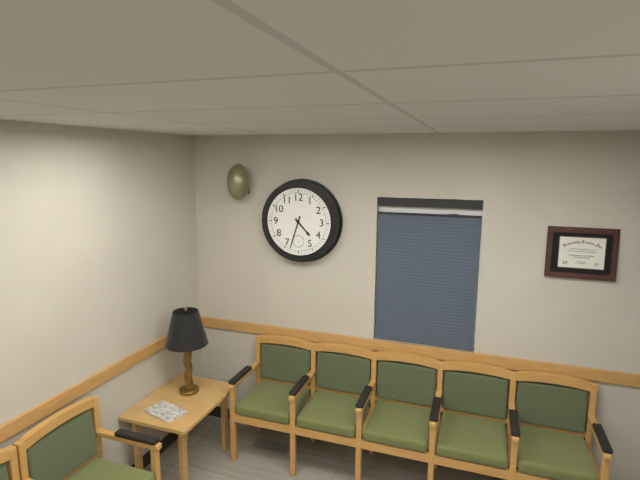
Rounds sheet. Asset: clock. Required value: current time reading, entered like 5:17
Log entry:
4:33
